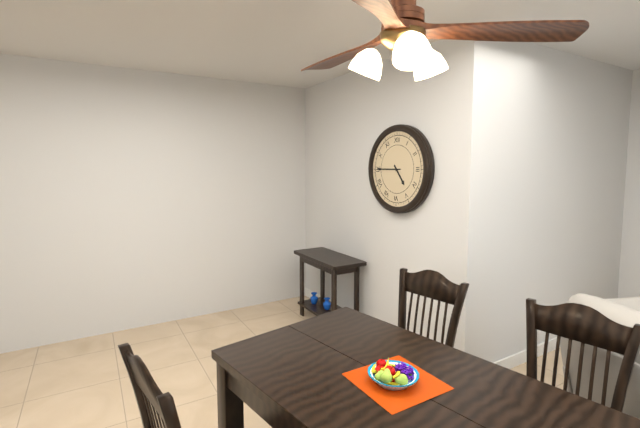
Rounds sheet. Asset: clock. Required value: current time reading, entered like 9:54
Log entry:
4:45
